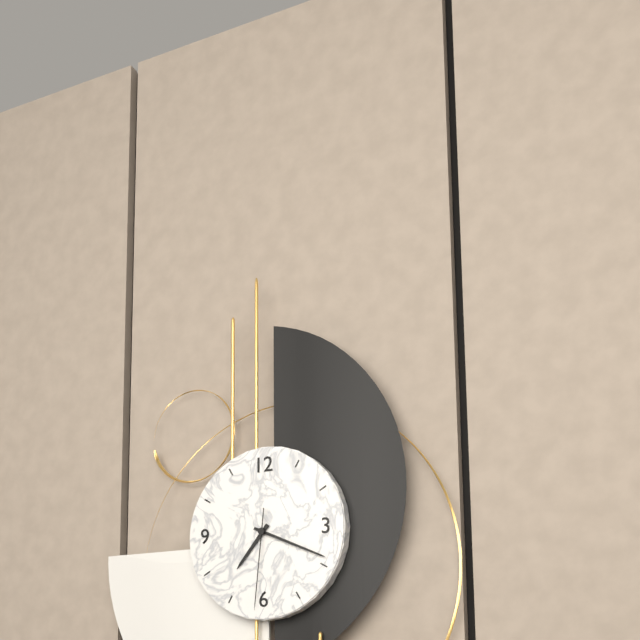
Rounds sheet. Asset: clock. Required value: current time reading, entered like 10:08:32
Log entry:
7:19:31
